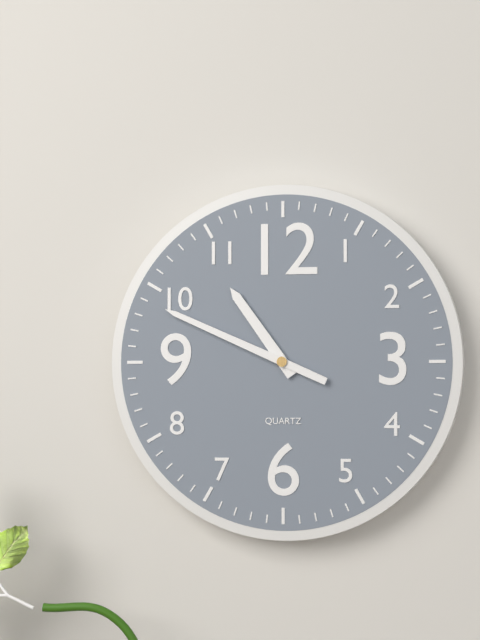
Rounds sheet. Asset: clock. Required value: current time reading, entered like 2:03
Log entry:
10:49
